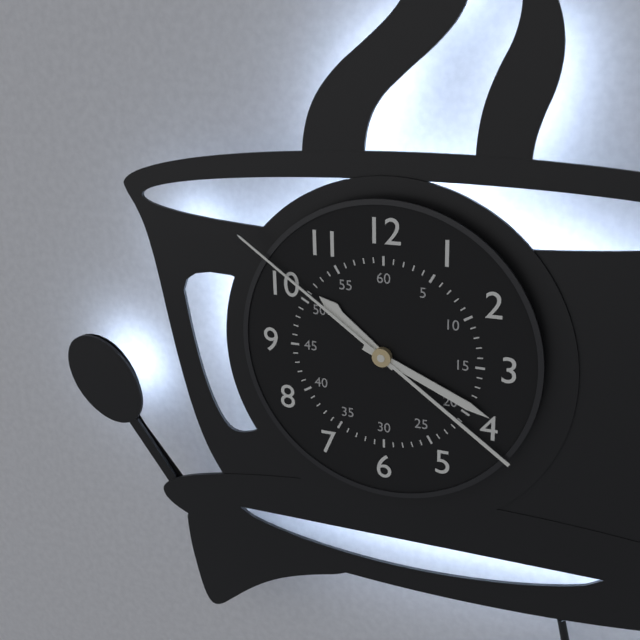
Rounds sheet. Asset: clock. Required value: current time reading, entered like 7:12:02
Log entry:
10:19:51
